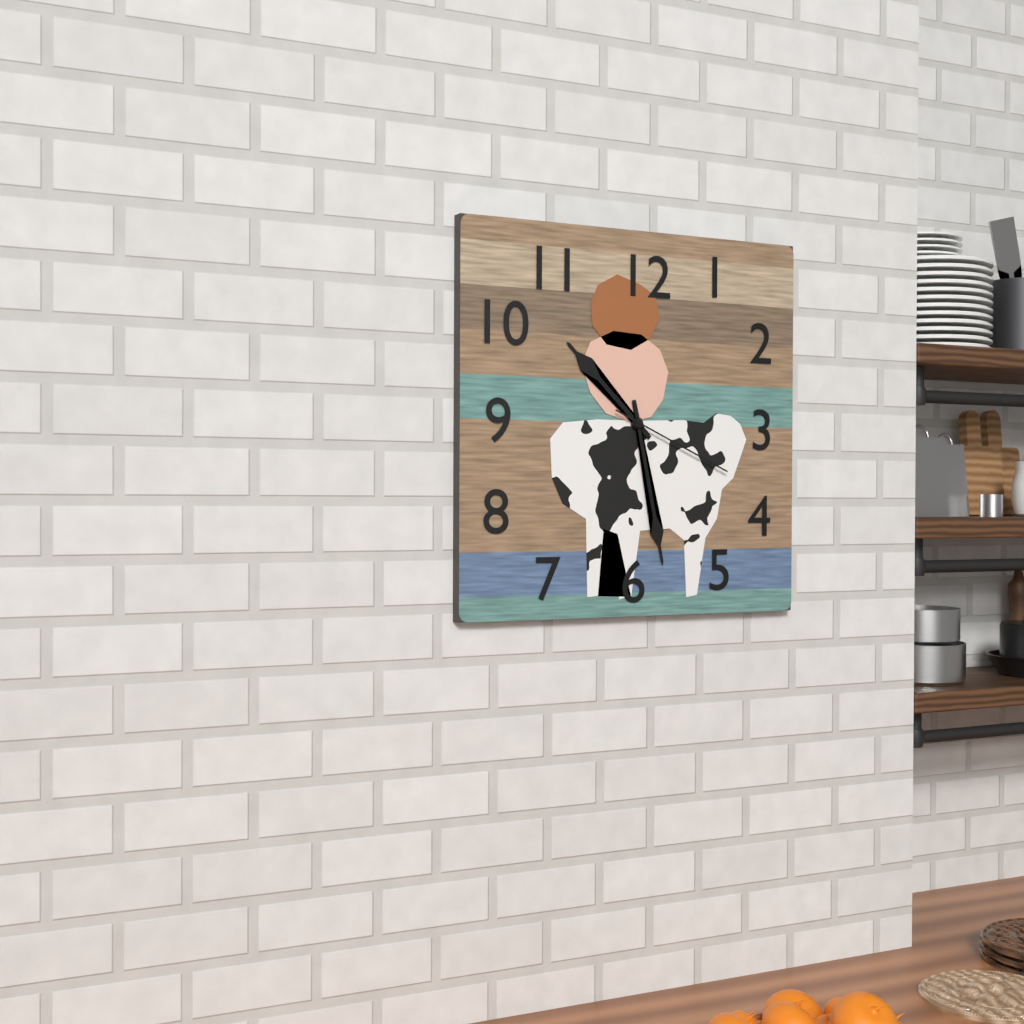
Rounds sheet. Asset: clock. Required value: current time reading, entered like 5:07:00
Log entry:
10:28:19
